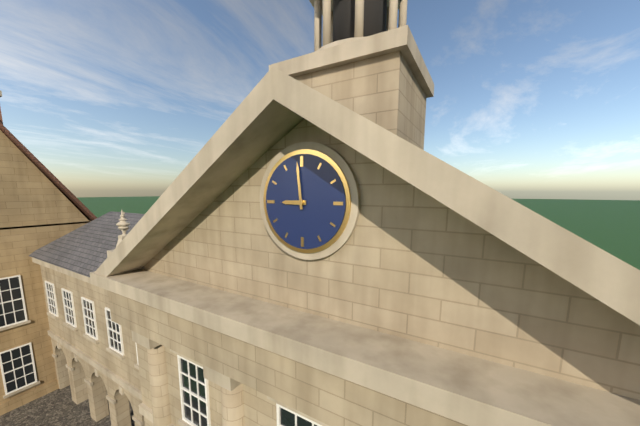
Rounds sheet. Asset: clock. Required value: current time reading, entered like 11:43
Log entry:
8:59
